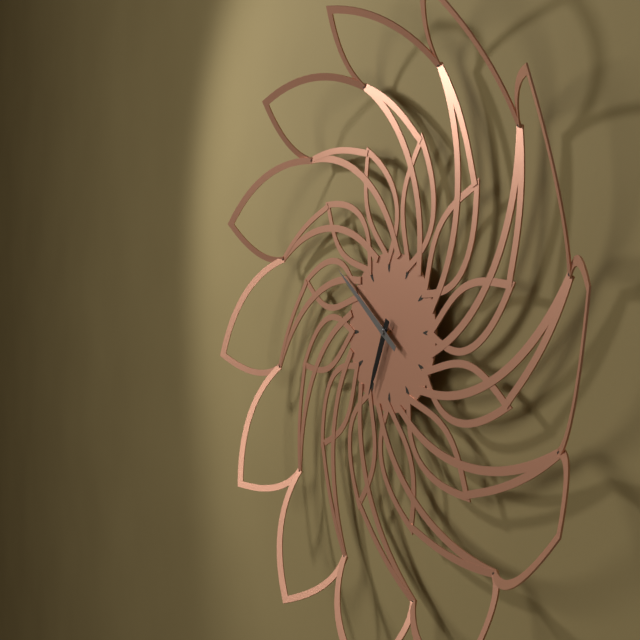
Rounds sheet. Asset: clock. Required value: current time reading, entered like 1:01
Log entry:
6:51
